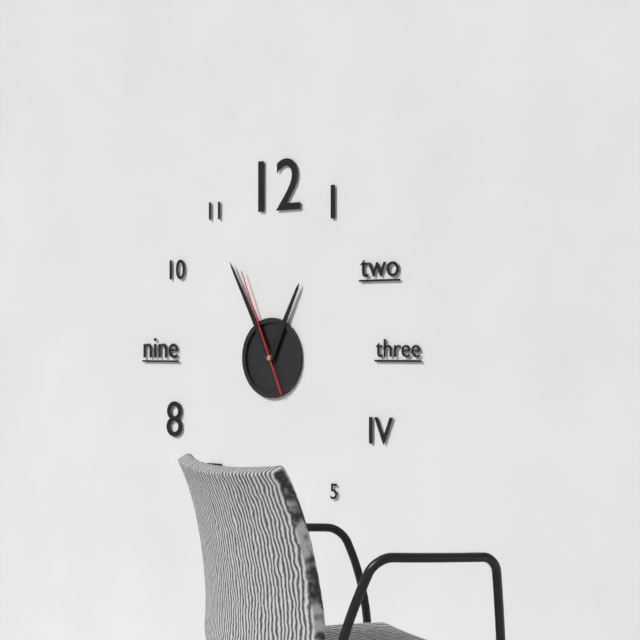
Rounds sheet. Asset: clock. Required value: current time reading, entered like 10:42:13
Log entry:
12:55:56
